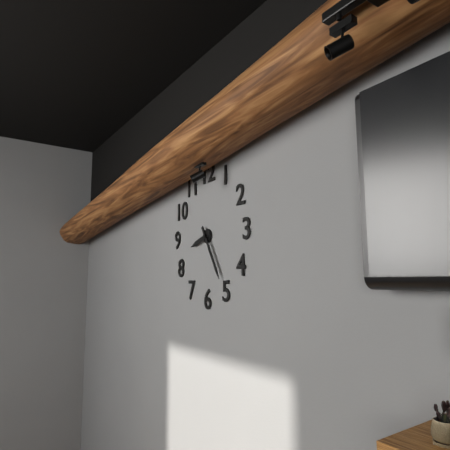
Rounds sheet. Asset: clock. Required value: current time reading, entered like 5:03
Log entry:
8:25
